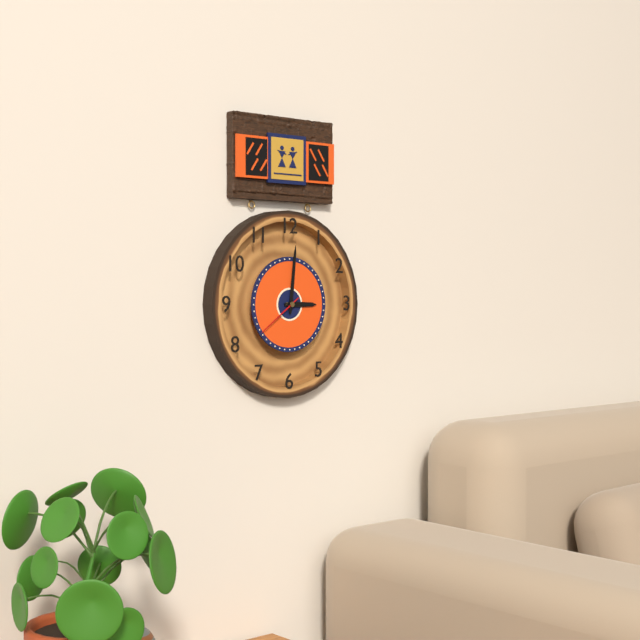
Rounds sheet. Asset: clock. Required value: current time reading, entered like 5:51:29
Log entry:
3:01:39
